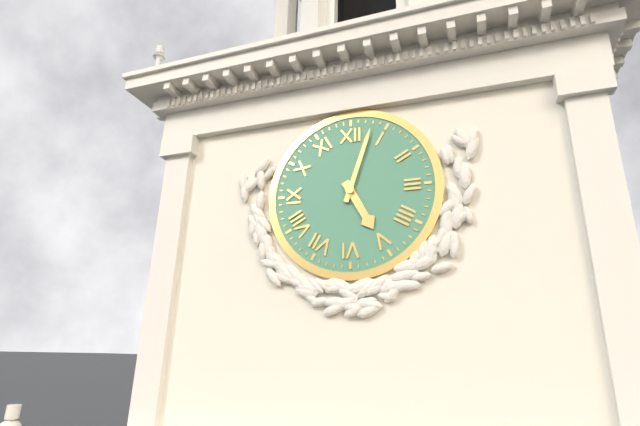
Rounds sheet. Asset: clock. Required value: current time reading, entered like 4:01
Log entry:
5:03
